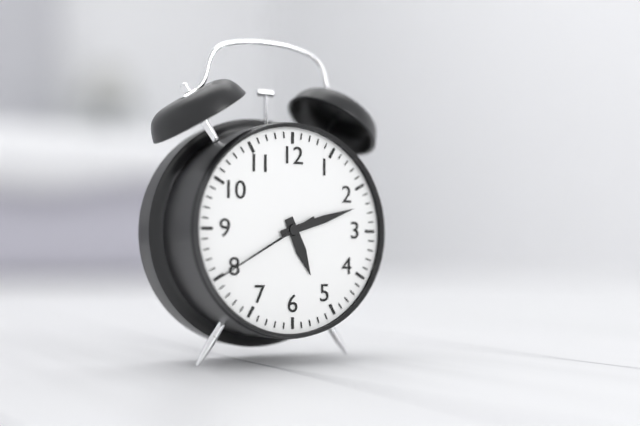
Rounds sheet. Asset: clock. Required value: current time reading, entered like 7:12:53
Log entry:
5:12:40
